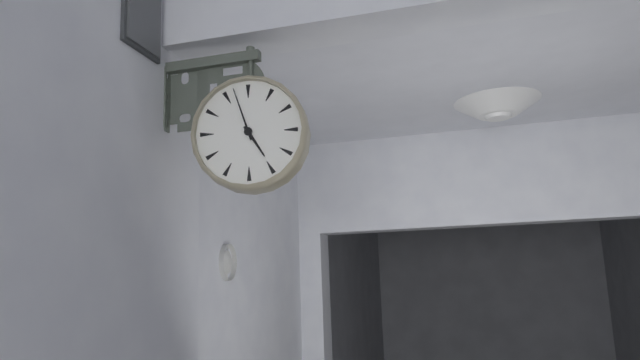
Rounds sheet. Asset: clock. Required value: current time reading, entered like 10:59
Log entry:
4:57
